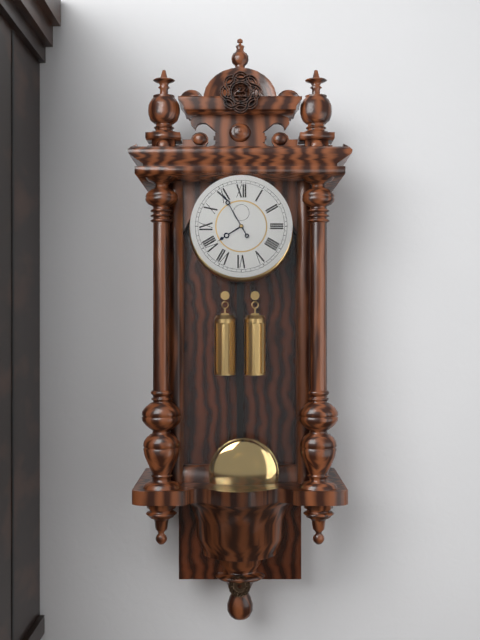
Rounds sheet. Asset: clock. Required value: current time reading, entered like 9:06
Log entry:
7:55
